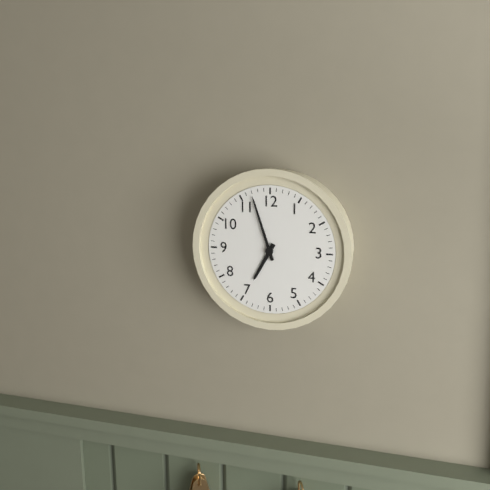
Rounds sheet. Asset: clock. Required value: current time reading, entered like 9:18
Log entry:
6:57
